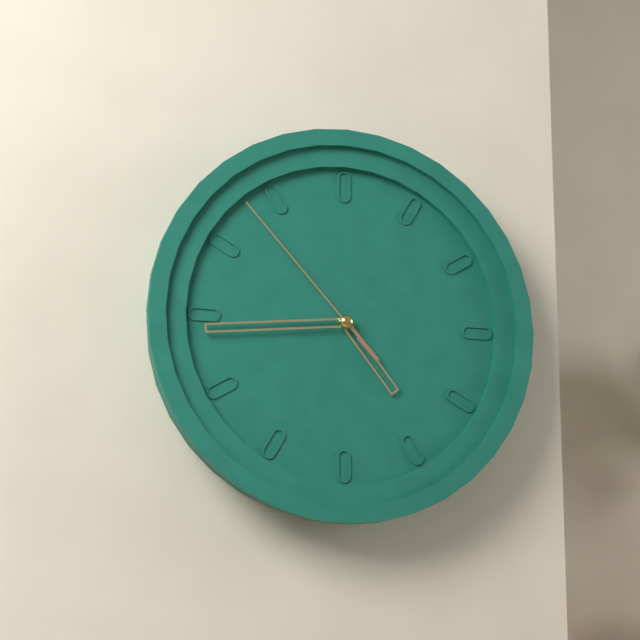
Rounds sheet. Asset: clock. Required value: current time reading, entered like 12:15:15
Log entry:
4:44:53
